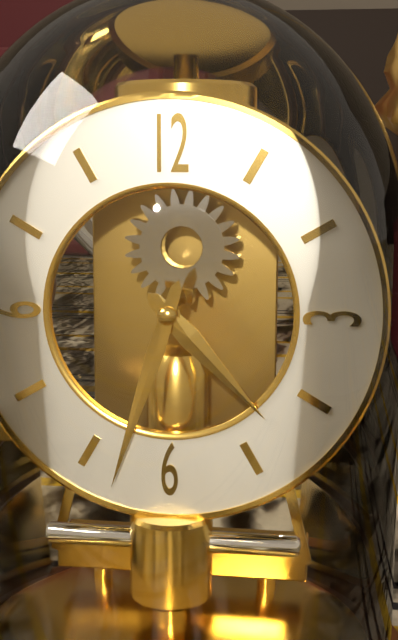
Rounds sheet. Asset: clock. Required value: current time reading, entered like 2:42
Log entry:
4:33
